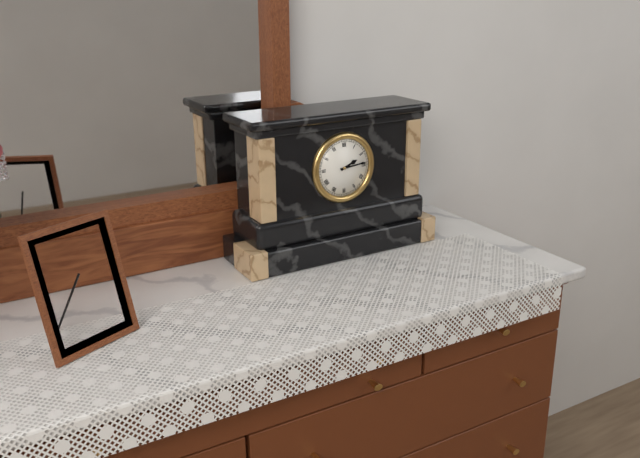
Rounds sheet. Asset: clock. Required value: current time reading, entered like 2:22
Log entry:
2:14
